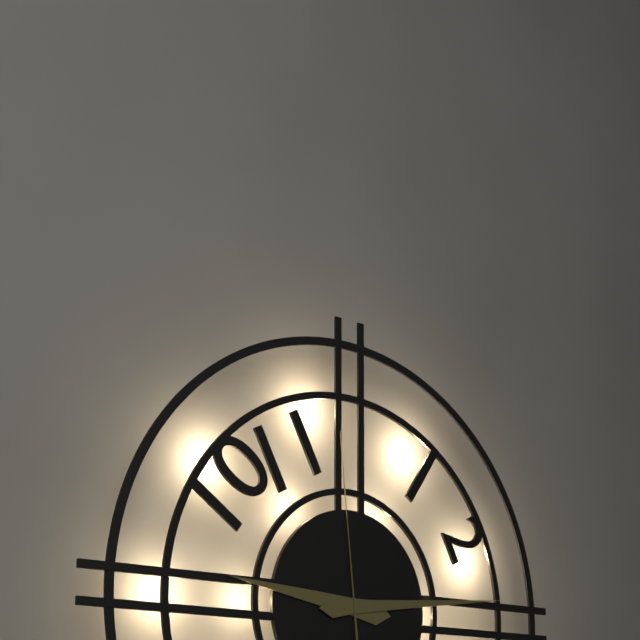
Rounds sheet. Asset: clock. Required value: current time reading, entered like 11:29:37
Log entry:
9:14:59
